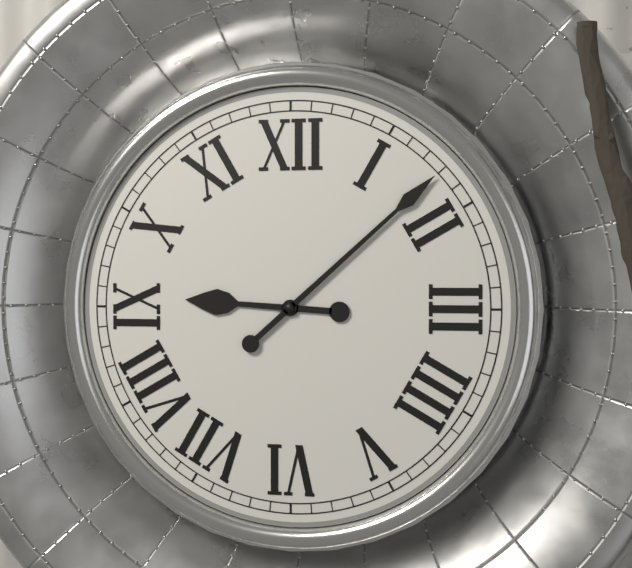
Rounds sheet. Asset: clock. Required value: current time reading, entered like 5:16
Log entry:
9:08
